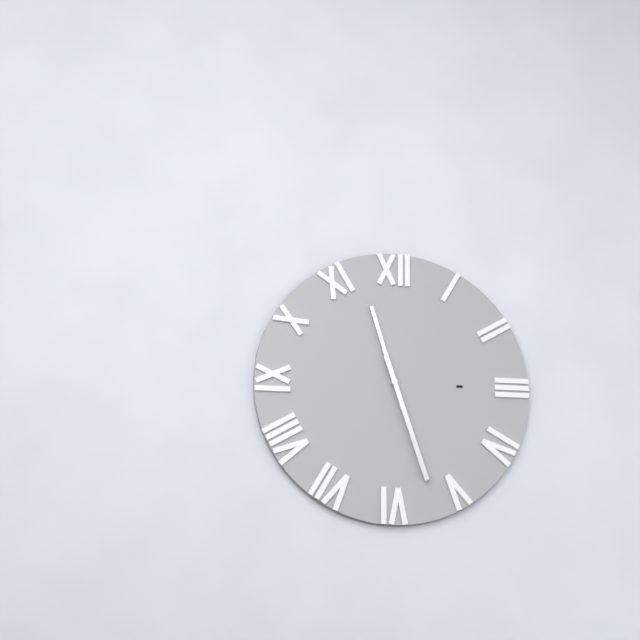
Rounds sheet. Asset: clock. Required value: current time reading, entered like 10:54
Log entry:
11:27
